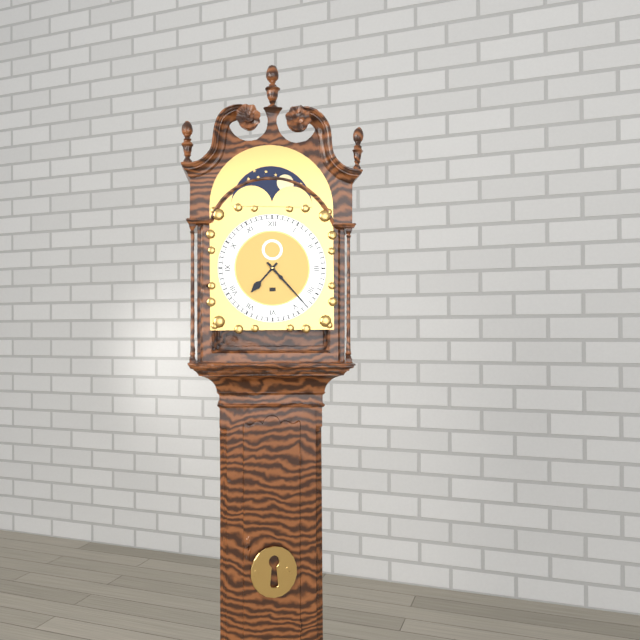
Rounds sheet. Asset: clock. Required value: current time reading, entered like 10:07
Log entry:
7:23
